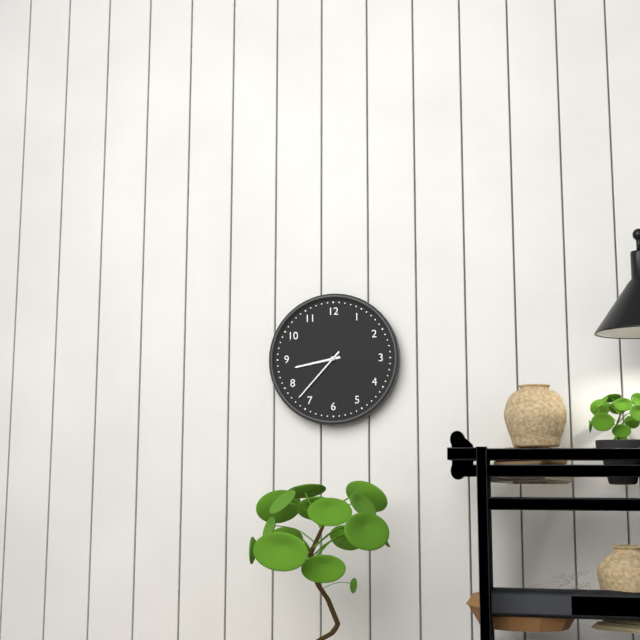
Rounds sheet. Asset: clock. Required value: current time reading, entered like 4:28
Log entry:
8:37
